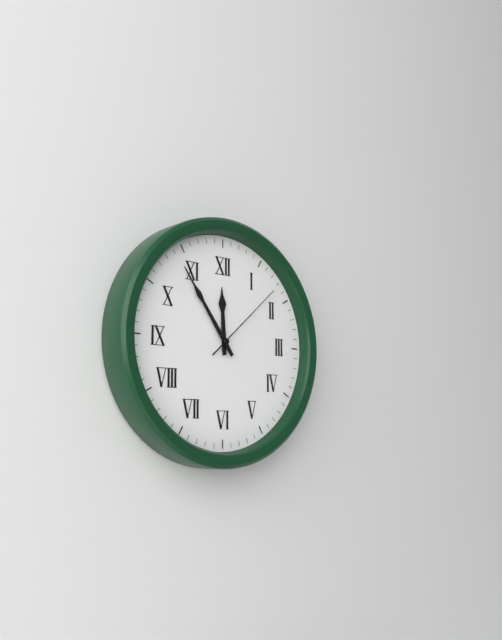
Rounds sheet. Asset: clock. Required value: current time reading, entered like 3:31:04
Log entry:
11:54:08
